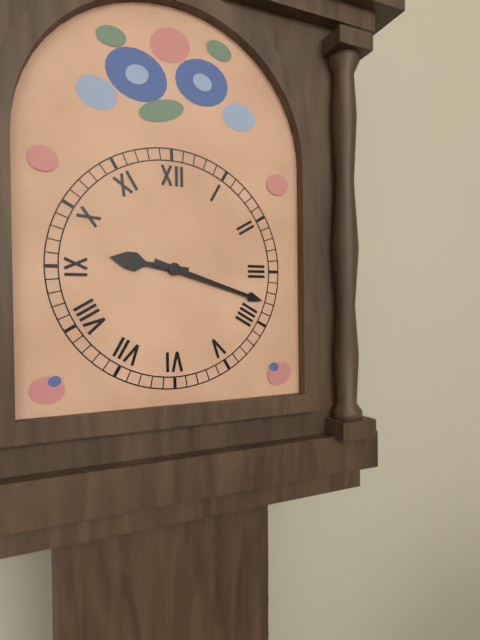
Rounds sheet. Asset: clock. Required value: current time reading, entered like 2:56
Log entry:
9:18
